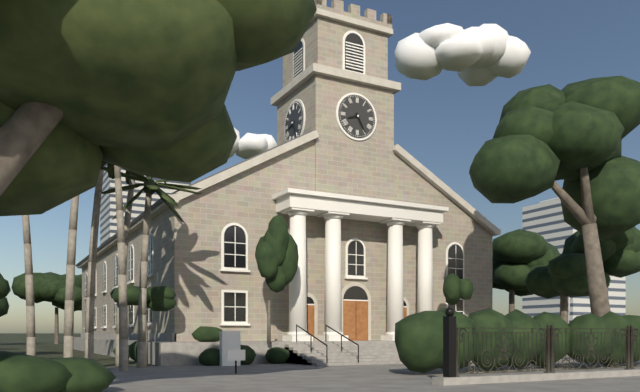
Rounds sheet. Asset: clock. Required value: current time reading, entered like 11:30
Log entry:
8:25
